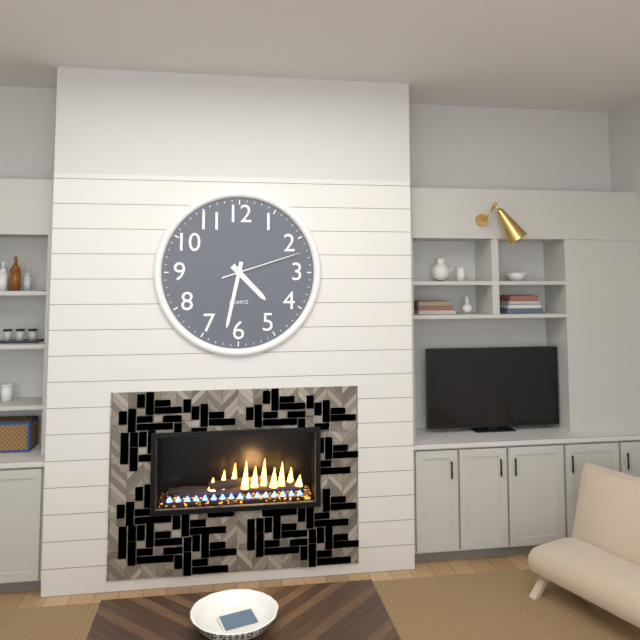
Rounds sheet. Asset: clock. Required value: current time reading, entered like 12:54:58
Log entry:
4:32:12
